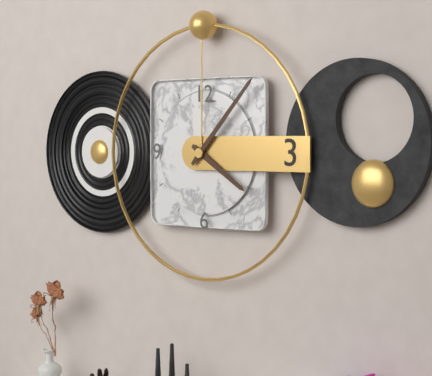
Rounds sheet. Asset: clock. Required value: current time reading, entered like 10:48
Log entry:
4:07
